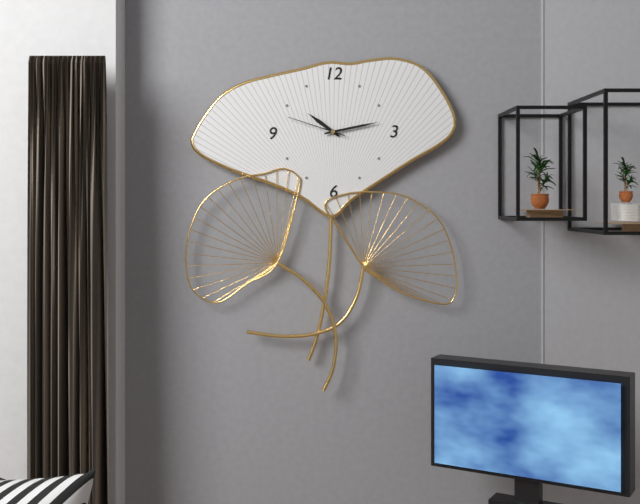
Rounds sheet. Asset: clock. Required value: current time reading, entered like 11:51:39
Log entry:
10:13:48
